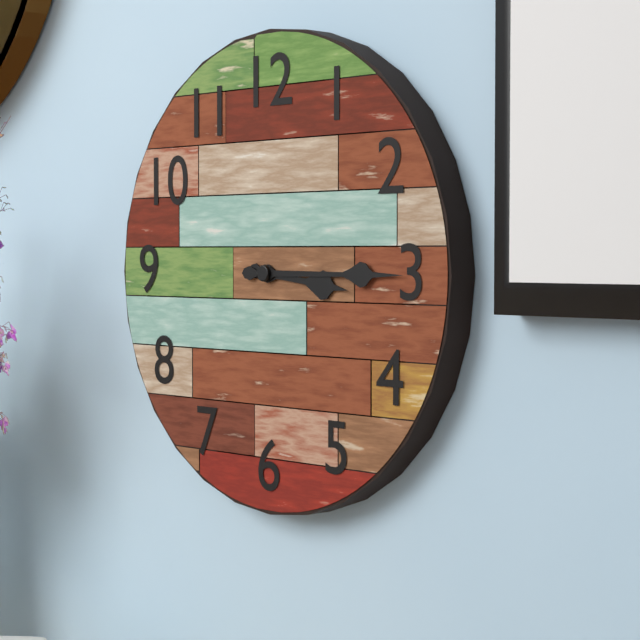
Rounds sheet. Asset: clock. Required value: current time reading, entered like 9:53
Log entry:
3:15
